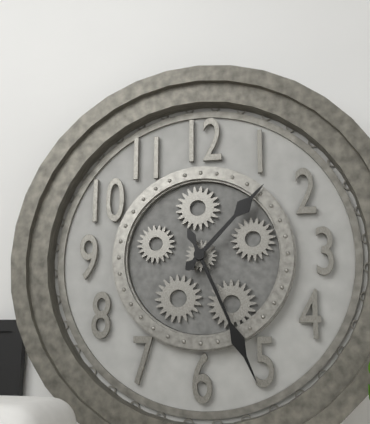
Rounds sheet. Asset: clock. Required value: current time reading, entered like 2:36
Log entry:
1:26
